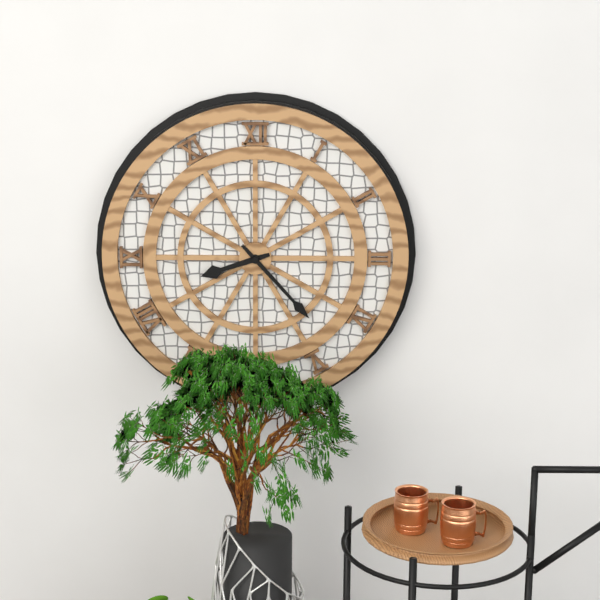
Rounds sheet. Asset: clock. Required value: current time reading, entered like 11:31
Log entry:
8:23
